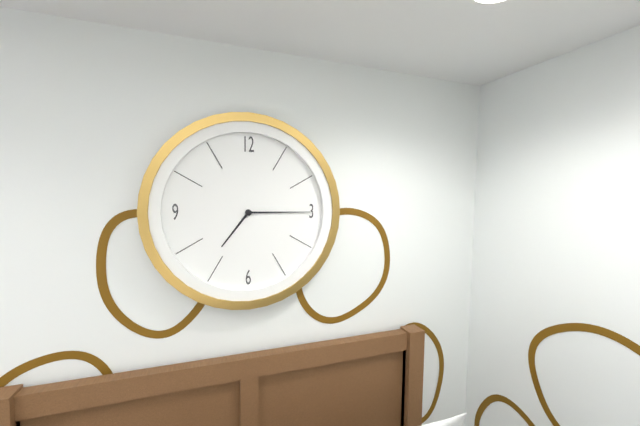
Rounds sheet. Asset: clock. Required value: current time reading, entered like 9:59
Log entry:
7:15
